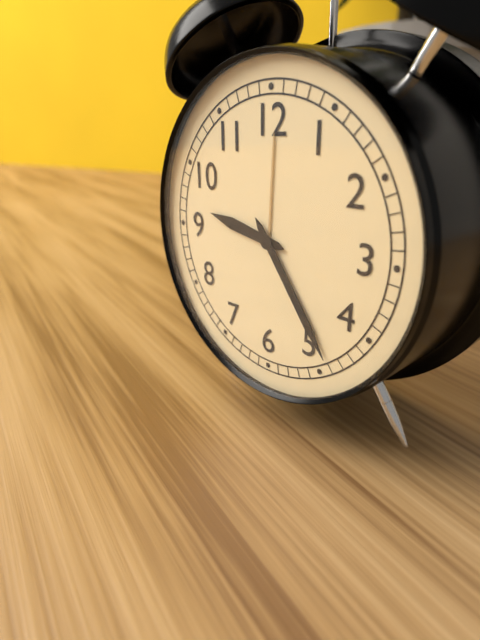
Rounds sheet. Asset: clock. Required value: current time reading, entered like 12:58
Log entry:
9:24
